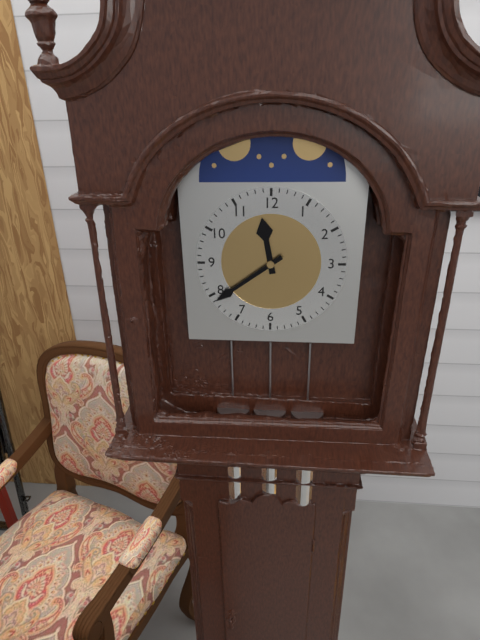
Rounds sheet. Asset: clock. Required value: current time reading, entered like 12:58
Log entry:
11:39
